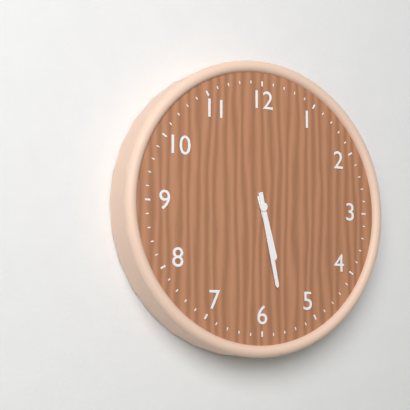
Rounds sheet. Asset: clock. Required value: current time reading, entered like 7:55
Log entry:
5:28
